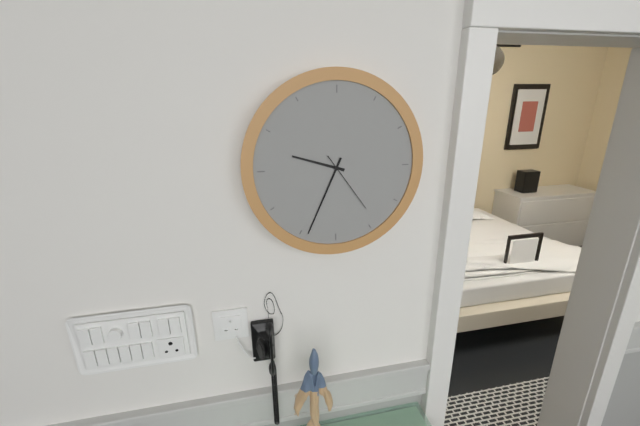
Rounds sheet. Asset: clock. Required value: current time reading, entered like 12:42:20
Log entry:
9:34:24
